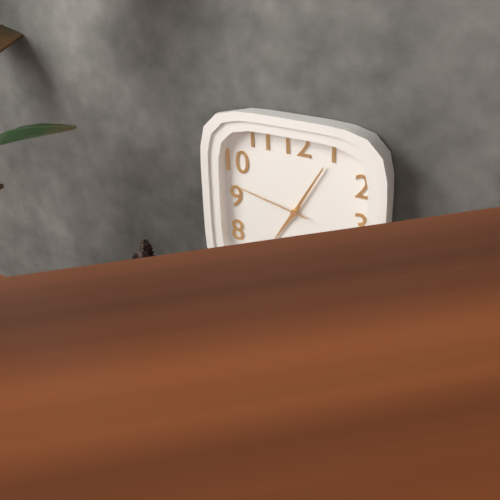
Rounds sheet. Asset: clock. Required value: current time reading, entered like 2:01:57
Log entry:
7:05:47
